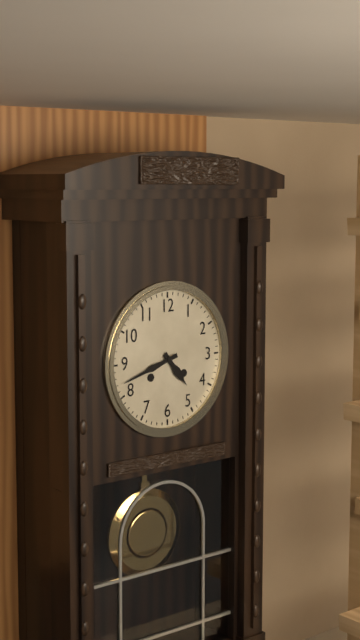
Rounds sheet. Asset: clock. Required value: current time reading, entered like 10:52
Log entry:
4:42
